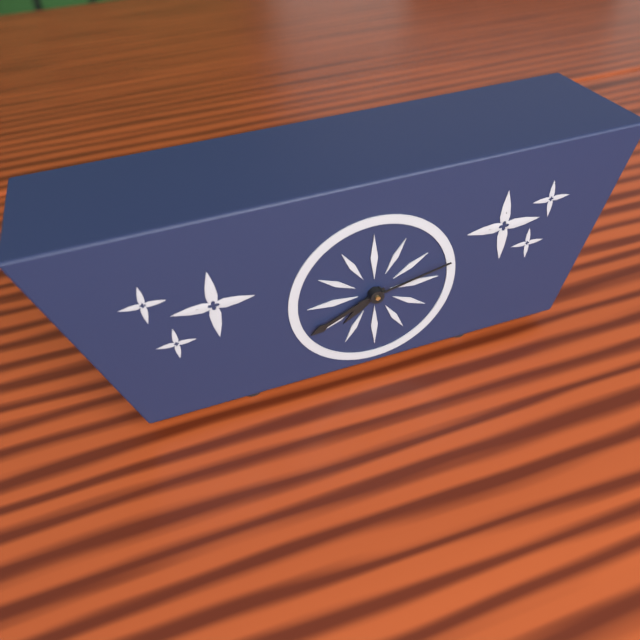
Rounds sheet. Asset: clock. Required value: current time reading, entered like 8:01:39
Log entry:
7:41:13
